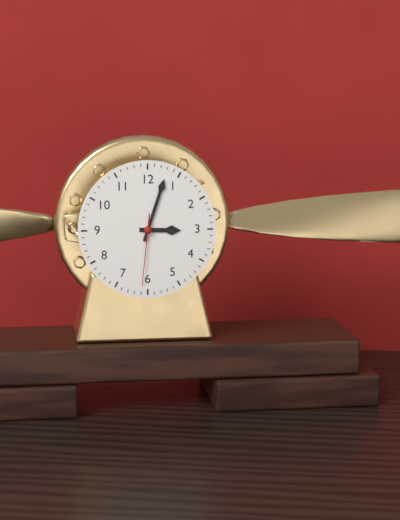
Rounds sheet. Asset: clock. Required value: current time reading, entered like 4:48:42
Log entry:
3:03:31
